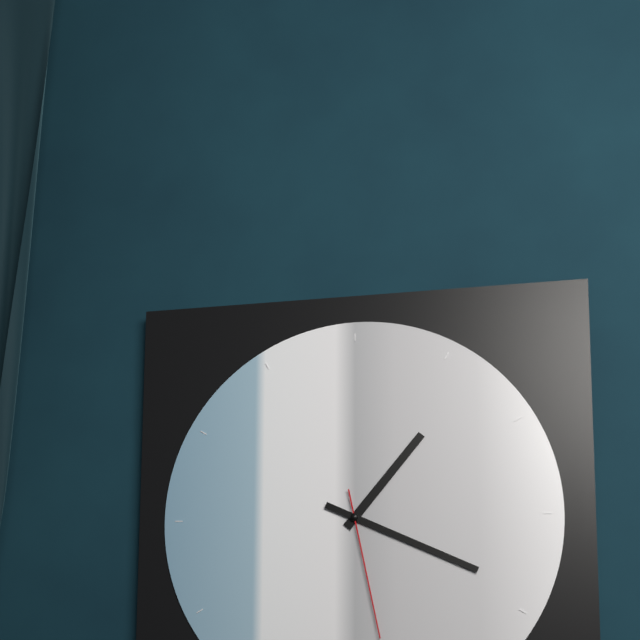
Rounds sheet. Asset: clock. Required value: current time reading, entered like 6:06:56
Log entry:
1:19:28
